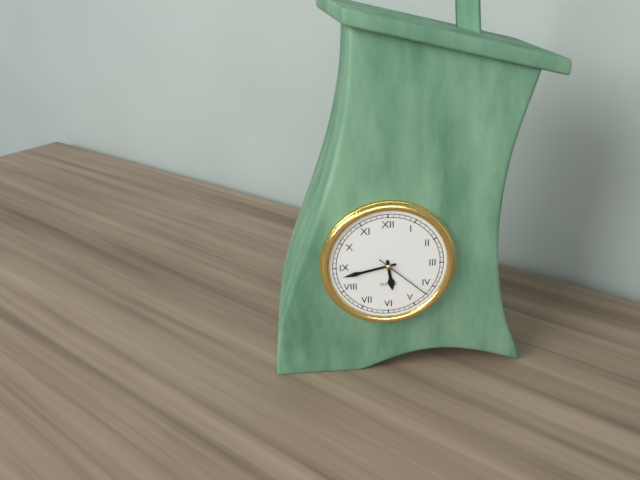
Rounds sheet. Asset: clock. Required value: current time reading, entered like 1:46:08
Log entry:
5:43:22
